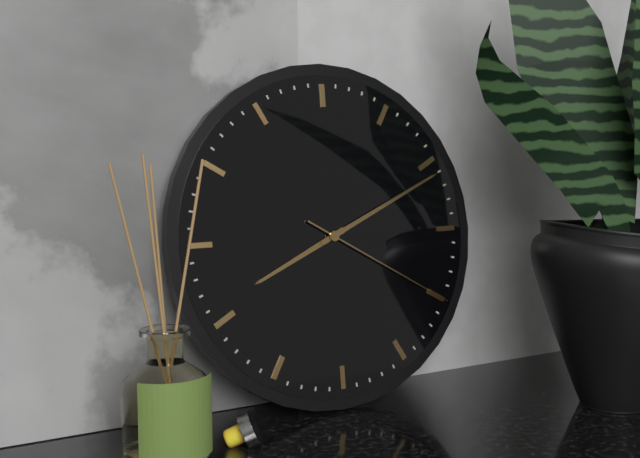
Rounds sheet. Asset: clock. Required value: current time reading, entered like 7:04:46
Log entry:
8:11:20
